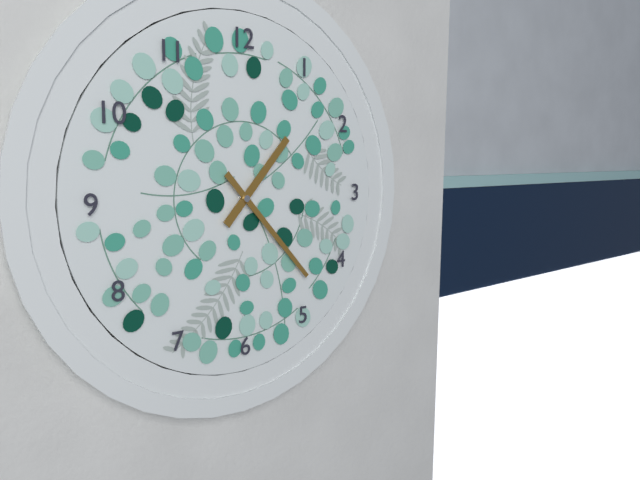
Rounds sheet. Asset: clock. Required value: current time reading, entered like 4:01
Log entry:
1:23
